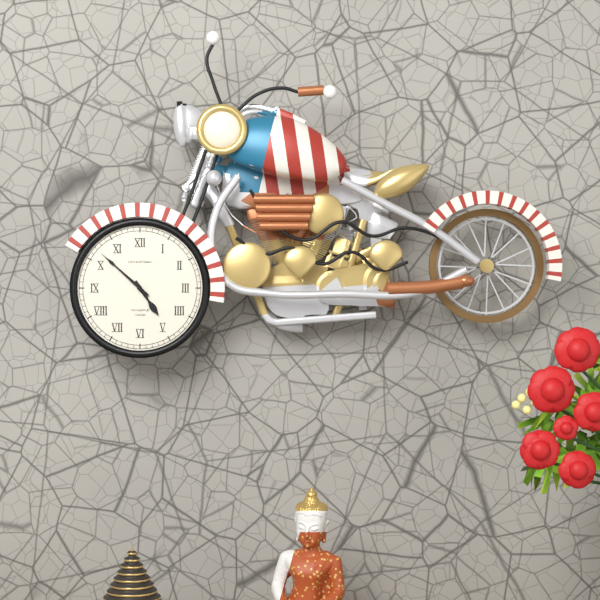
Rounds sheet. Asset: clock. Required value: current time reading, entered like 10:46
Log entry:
4:52
